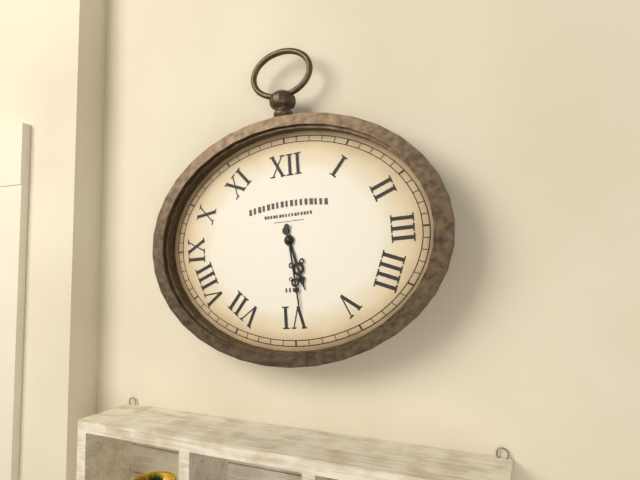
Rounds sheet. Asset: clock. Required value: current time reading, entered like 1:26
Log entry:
5:29
